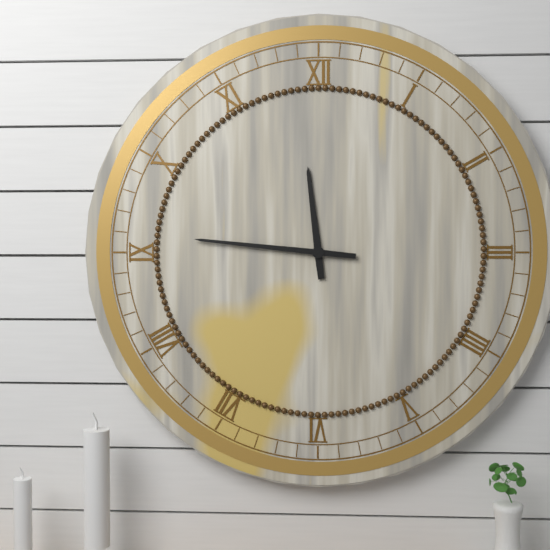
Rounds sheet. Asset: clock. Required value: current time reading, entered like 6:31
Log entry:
11:46
